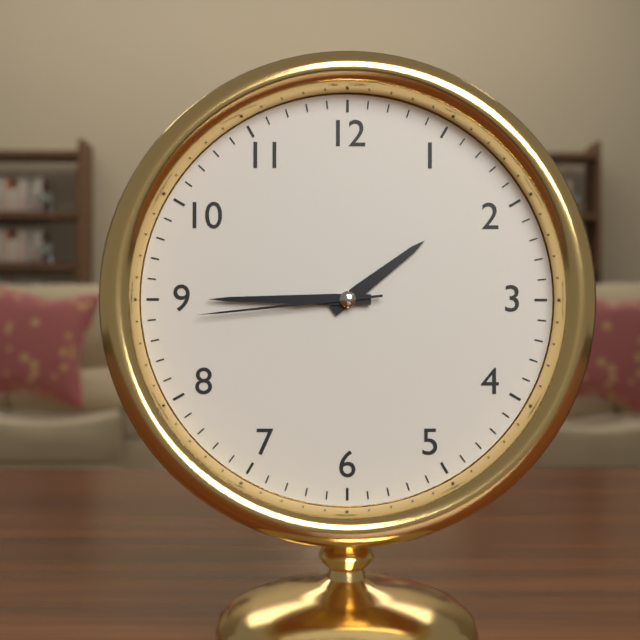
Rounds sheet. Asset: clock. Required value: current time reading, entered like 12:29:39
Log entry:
1:45:44
